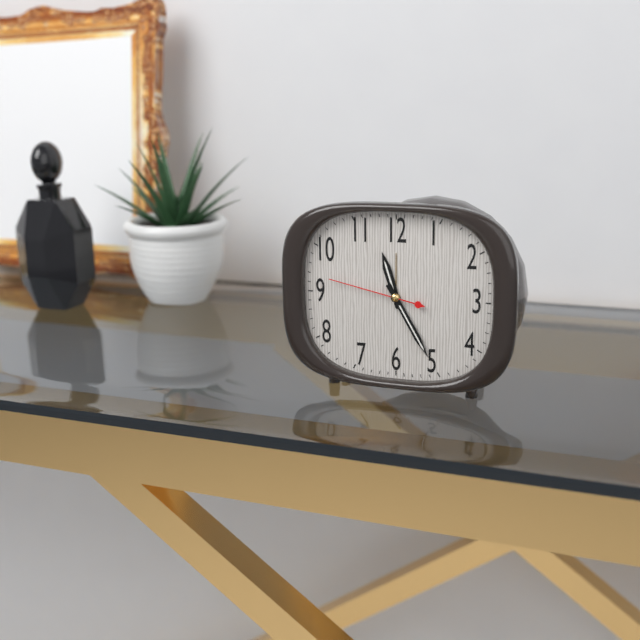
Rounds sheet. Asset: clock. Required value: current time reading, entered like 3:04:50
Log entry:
11:25:47
